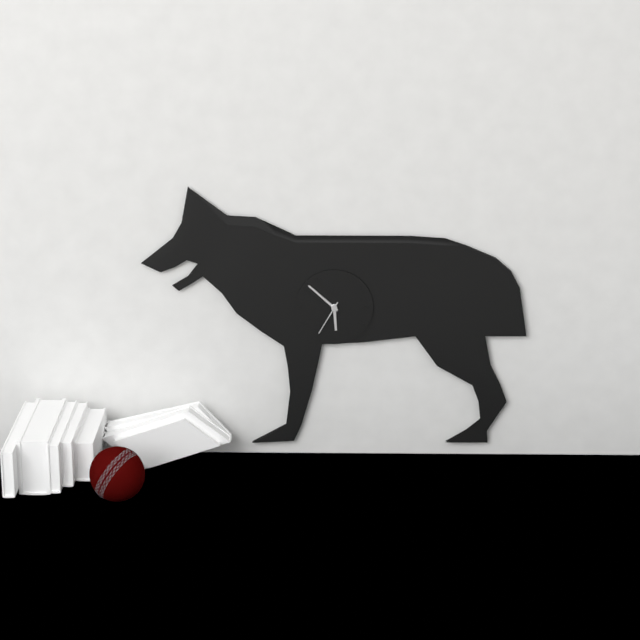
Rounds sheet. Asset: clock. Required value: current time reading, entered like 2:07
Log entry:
5:52
